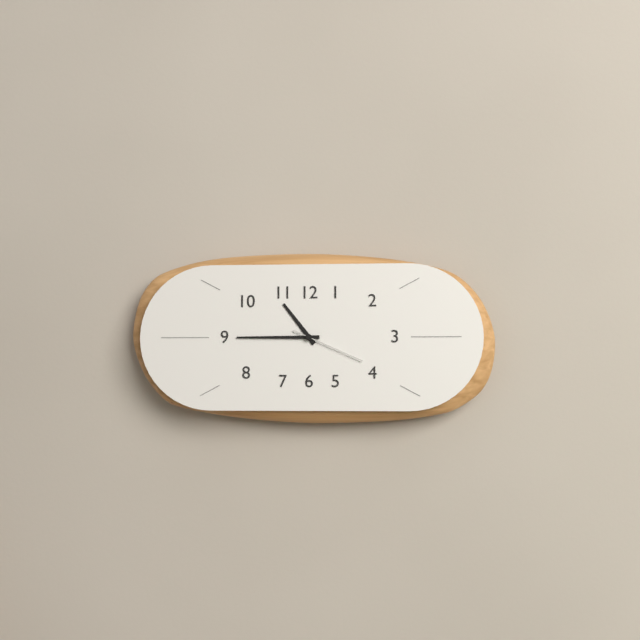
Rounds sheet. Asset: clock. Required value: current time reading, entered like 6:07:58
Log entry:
10:45:19
